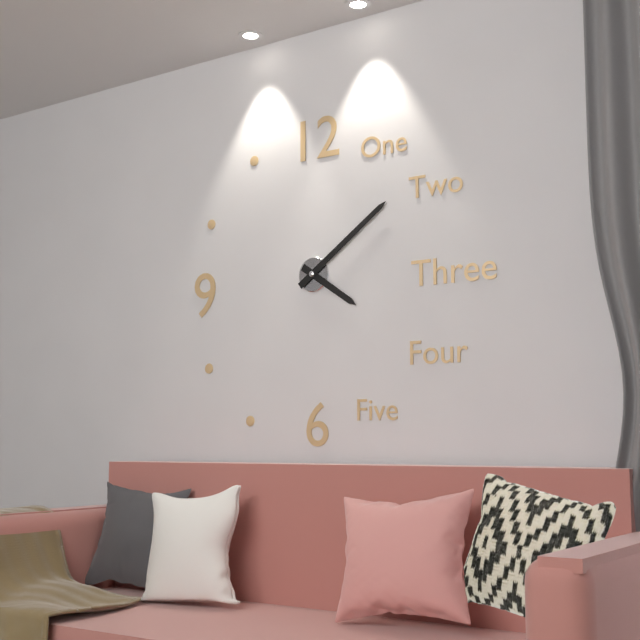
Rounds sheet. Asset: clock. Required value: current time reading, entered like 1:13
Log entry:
4:09
